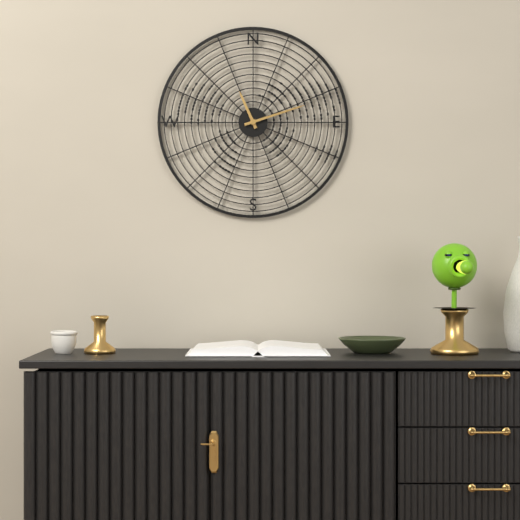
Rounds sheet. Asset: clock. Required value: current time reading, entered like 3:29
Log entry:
11:12
